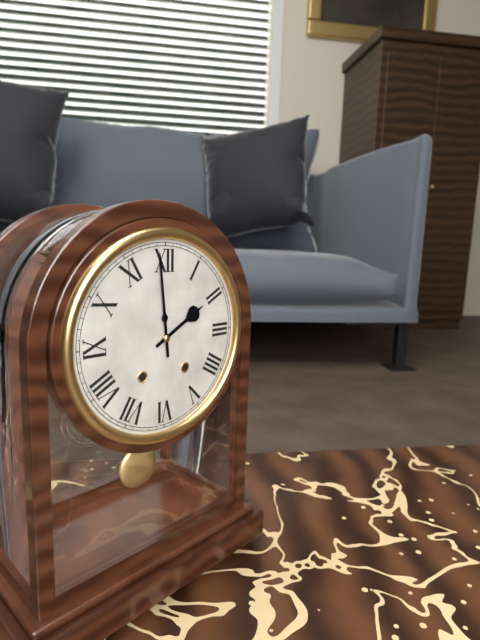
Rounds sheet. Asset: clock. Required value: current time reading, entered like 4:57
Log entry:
1:59
